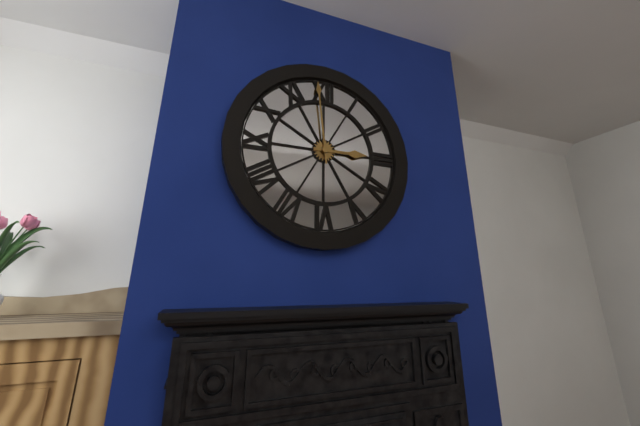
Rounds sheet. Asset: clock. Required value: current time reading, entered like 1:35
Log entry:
2:59
